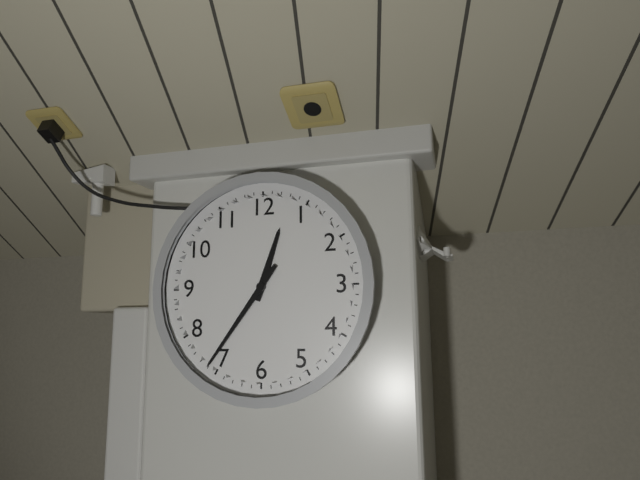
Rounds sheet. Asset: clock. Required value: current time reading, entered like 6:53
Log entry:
12:36
